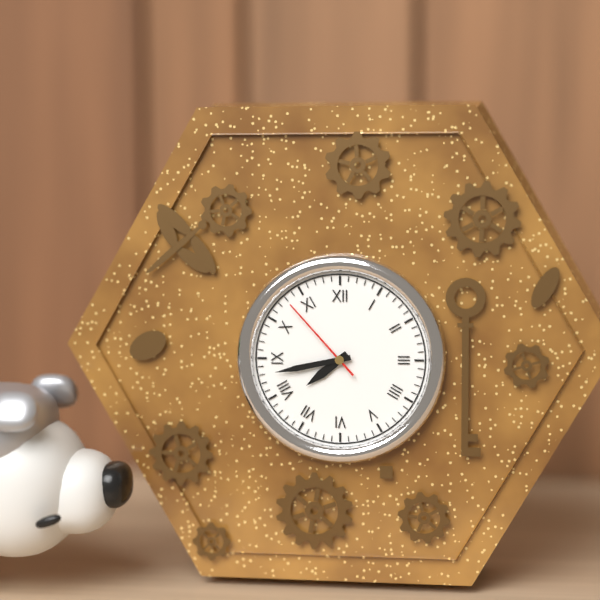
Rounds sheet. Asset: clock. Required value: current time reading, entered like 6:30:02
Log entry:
7:43:53
